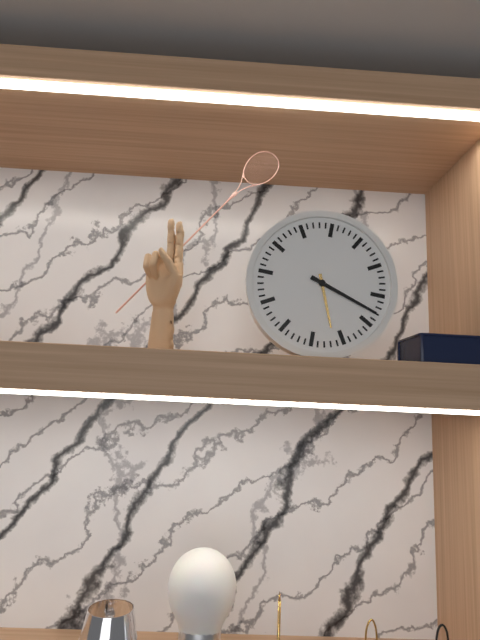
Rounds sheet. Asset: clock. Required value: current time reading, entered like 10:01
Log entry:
5:18
